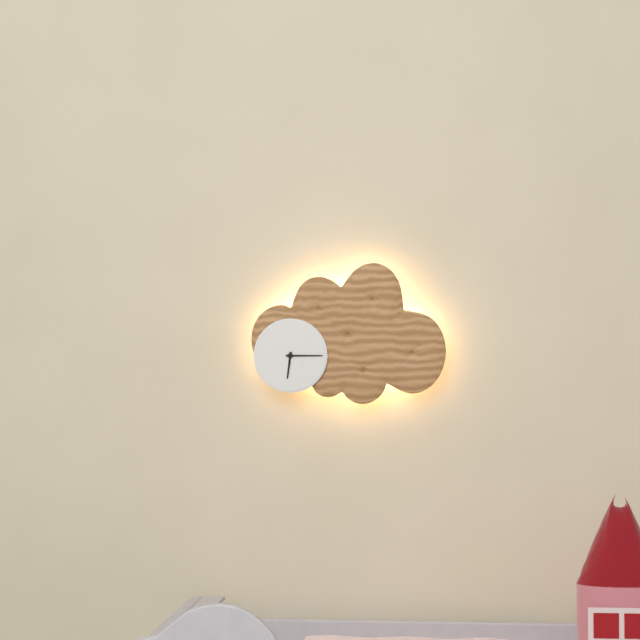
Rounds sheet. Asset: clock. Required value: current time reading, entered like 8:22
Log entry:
6:15
